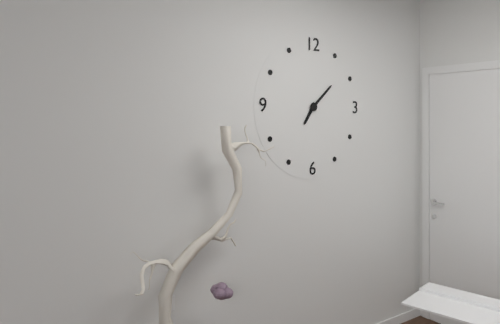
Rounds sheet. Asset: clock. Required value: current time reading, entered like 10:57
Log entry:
7:08
